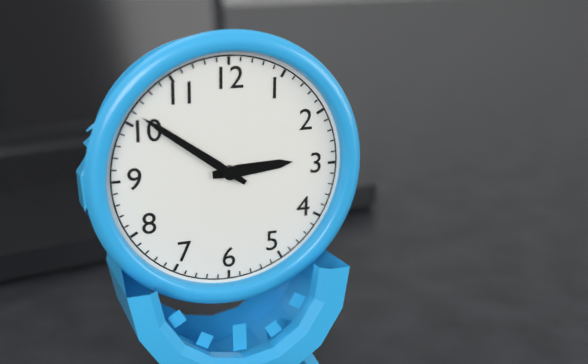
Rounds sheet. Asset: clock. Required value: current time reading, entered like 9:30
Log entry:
2:51
